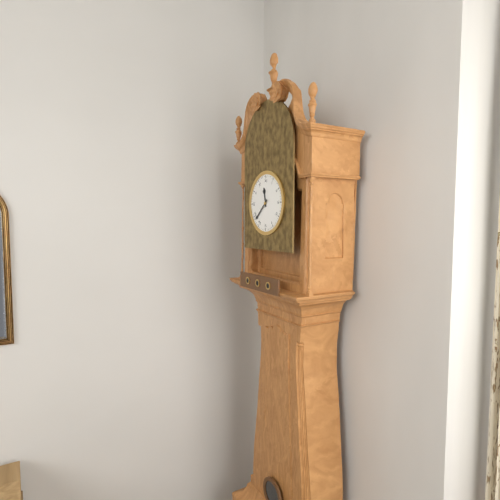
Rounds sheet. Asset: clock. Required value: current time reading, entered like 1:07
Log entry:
11:38
